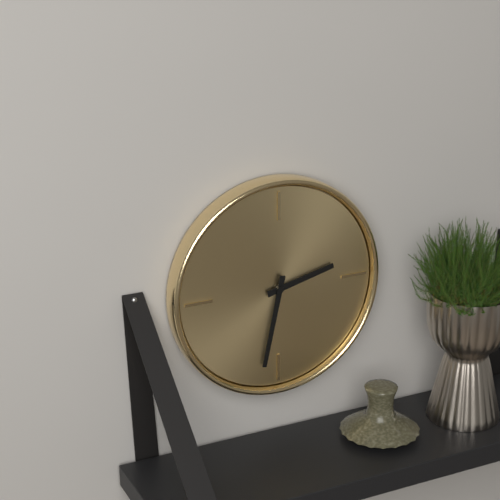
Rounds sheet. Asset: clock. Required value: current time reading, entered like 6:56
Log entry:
2:32
